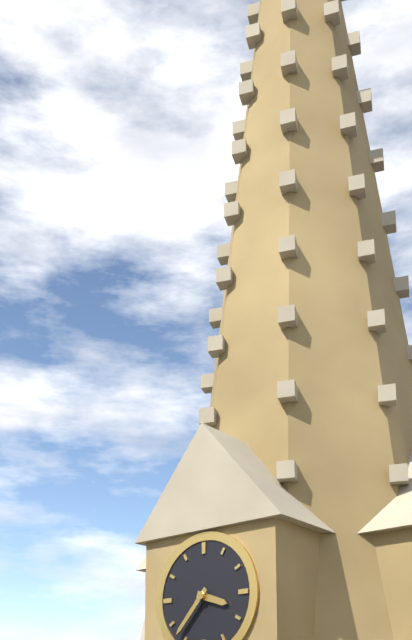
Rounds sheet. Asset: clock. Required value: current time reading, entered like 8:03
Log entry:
3:37
